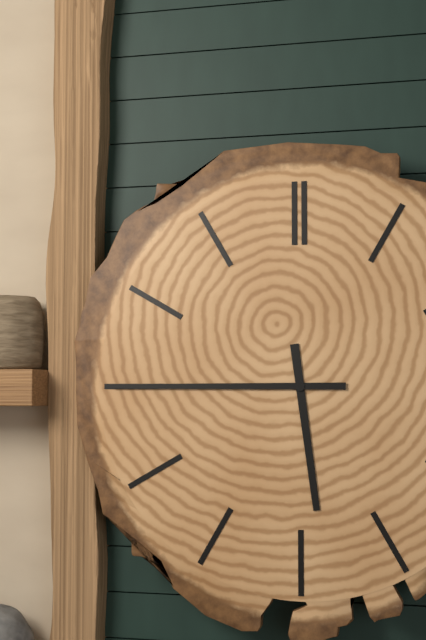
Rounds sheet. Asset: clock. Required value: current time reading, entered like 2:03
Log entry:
5:45
